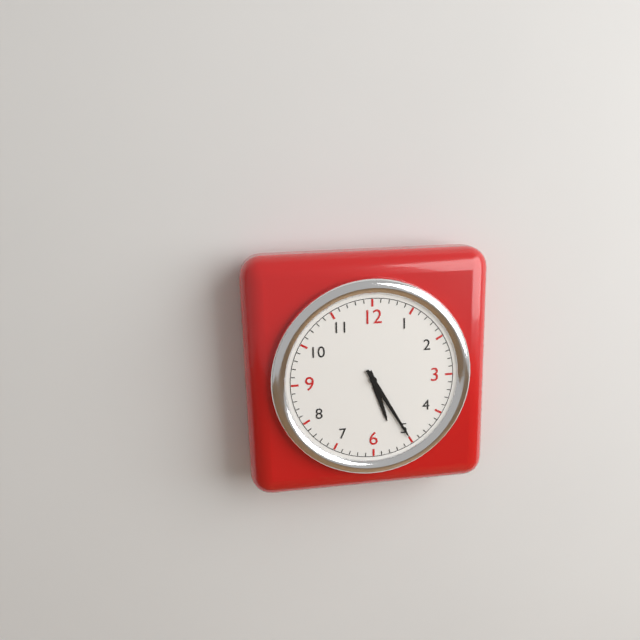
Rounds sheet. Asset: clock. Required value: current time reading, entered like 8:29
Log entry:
5:25
